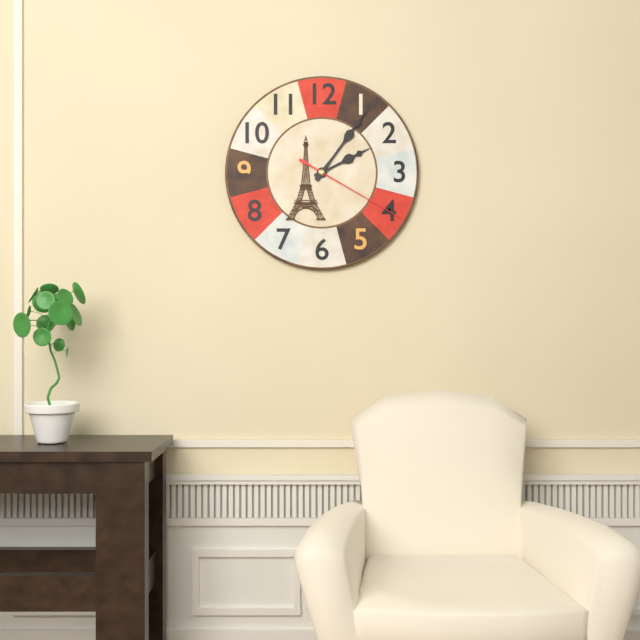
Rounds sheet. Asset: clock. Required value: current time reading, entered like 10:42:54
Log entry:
2:06:20
